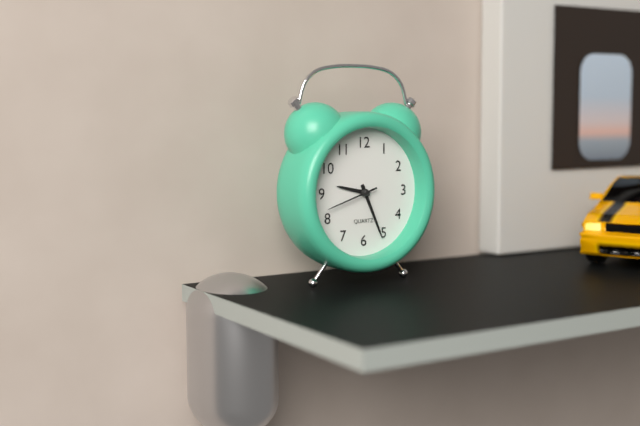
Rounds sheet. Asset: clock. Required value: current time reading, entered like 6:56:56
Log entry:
9:26:42
